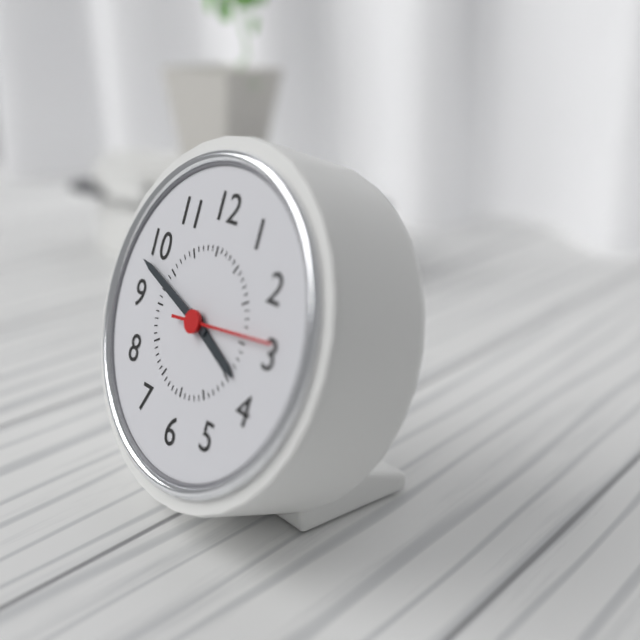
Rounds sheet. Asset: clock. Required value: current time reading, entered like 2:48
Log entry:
3:48
